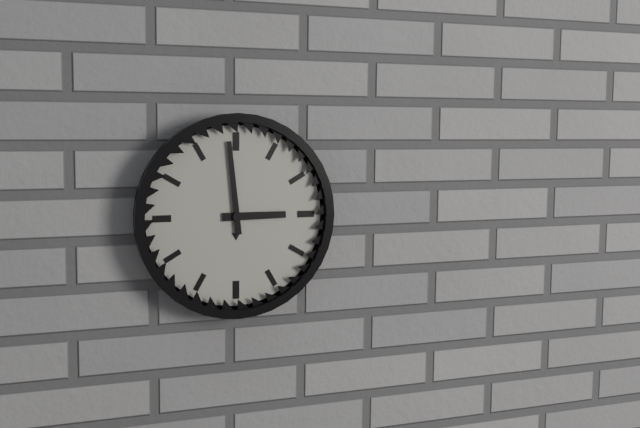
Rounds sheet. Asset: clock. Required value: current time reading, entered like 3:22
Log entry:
2:59
